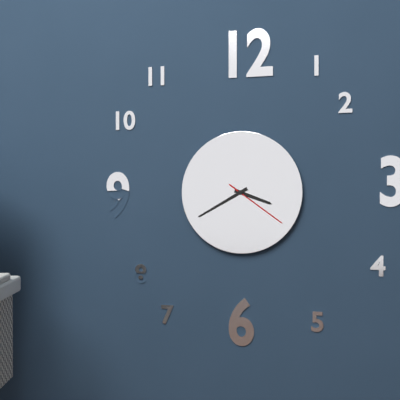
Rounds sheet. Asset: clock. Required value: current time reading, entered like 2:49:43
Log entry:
3:40:21
